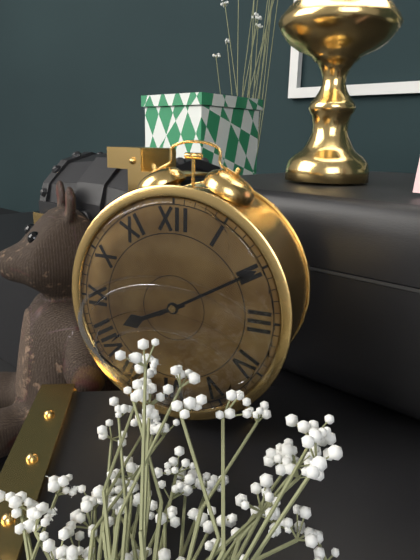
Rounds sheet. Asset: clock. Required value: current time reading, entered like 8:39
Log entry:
8:10
